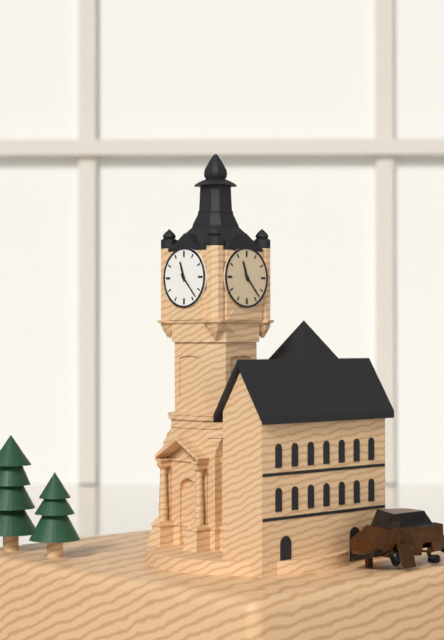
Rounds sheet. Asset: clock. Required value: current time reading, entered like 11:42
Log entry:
11:23
